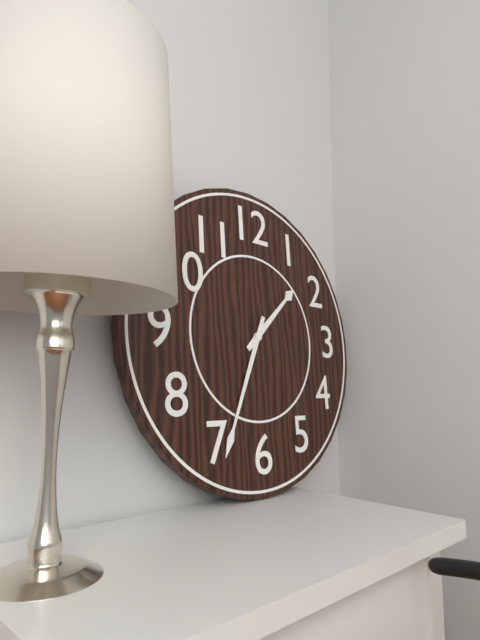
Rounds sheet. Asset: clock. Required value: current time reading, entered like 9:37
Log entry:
1:34
